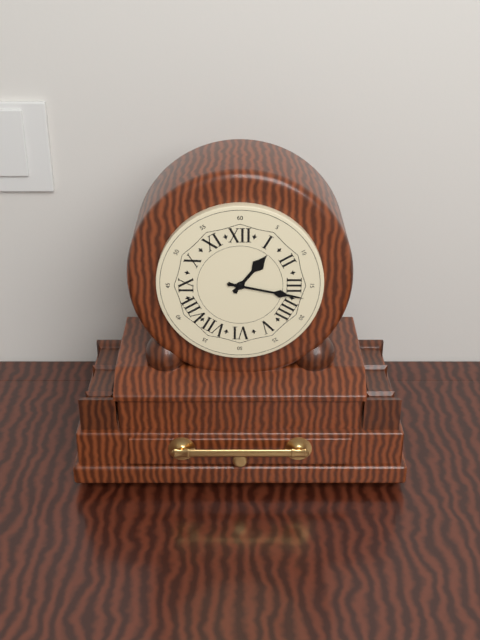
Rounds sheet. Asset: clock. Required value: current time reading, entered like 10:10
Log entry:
1:17
